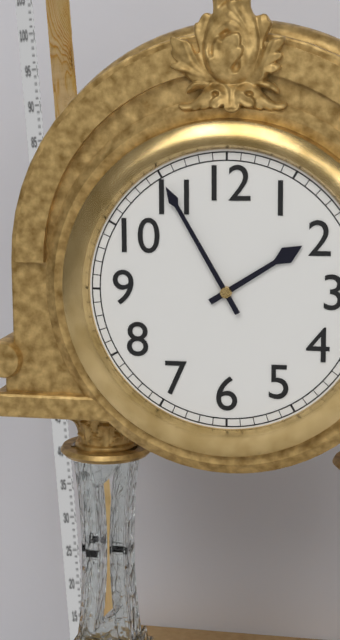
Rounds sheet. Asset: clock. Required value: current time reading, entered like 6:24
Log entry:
1:55
